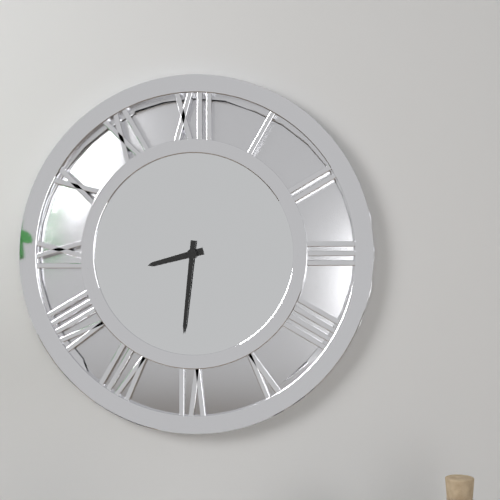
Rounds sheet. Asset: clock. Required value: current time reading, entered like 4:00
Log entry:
8:31
